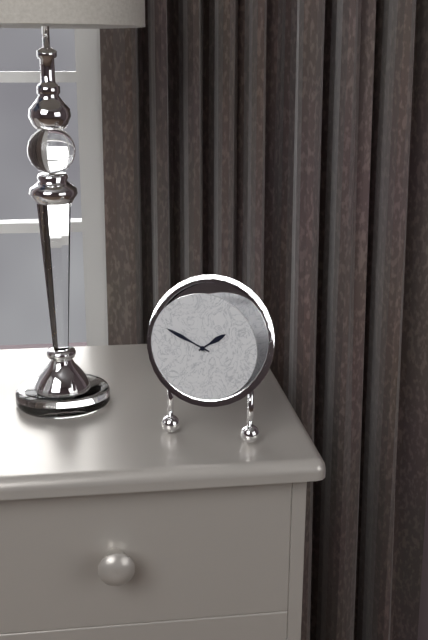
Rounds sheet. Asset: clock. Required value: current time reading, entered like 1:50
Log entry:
1:49
